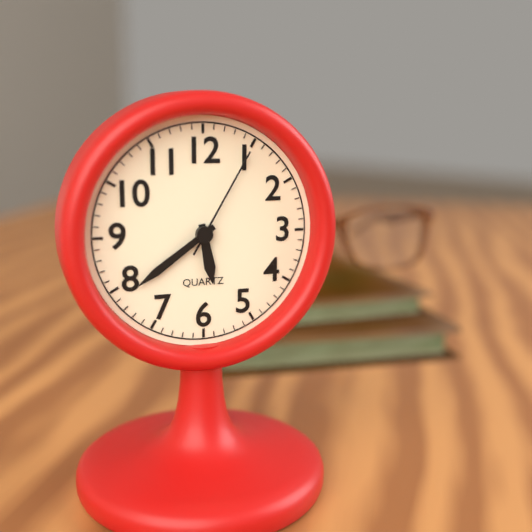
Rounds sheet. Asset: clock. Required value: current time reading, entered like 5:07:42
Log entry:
5:39:05
